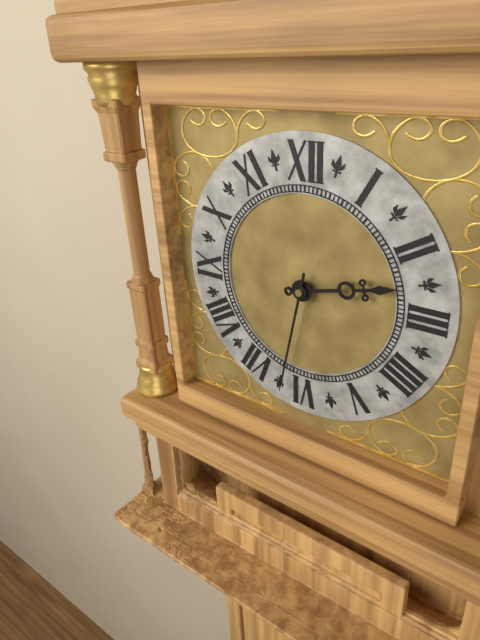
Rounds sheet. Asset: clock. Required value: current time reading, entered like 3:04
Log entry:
2:32
